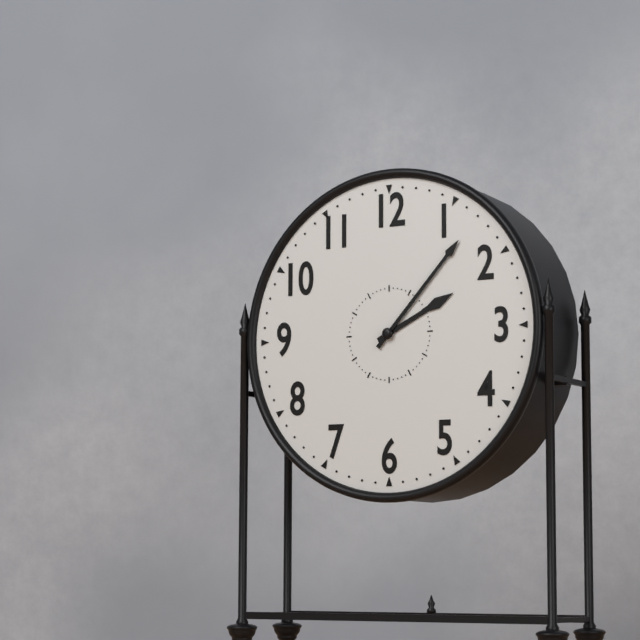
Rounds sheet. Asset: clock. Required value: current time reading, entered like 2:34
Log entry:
2:07
